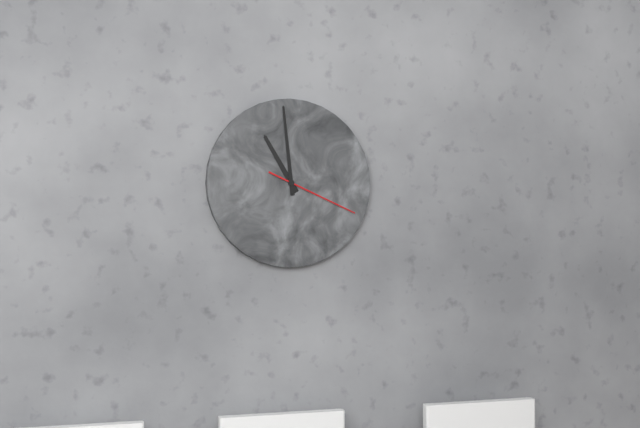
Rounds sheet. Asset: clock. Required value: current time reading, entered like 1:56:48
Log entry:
10:59:19
